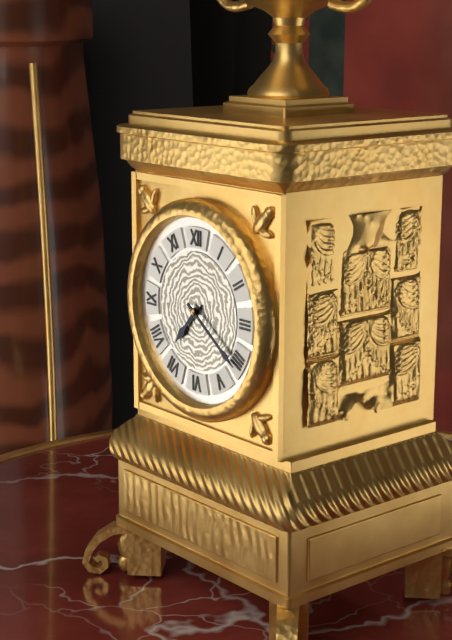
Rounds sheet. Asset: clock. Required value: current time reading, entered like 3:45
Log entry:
7:21
